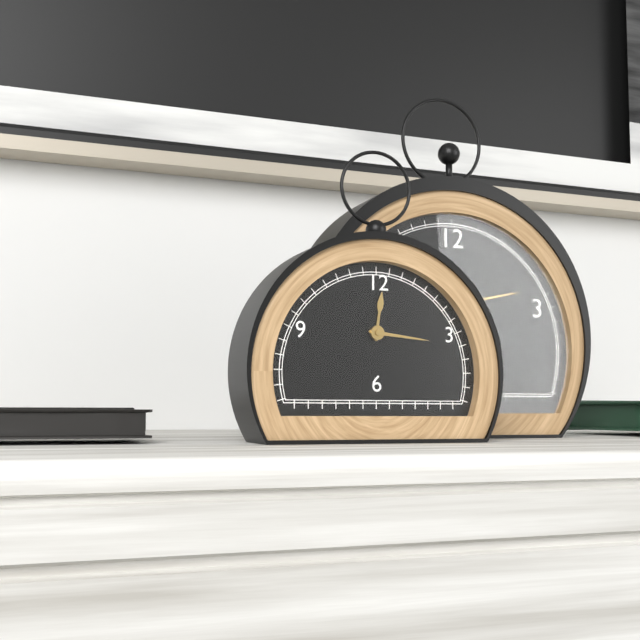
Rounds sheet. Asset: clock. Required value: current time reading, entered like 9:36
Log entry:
12:16
